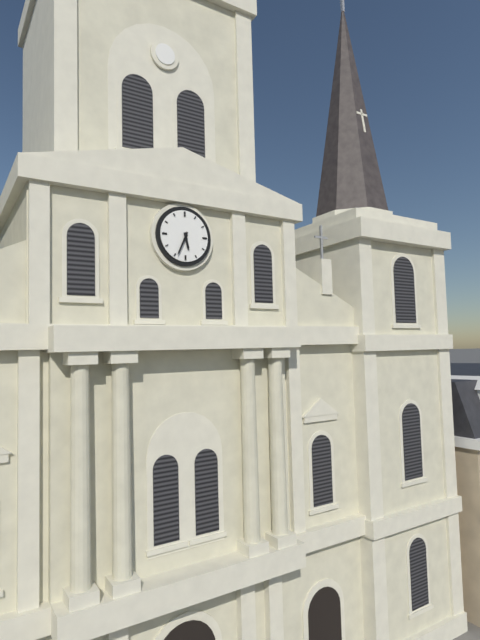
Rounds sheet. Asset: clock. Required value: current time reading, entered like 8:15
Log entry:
5:34
